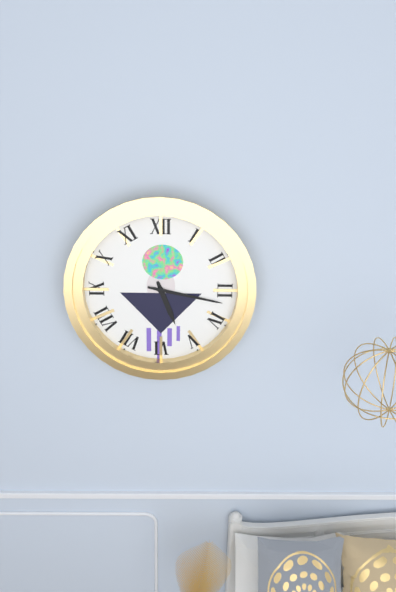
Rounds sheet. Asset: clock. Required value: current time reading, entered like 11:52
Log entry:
5:17
